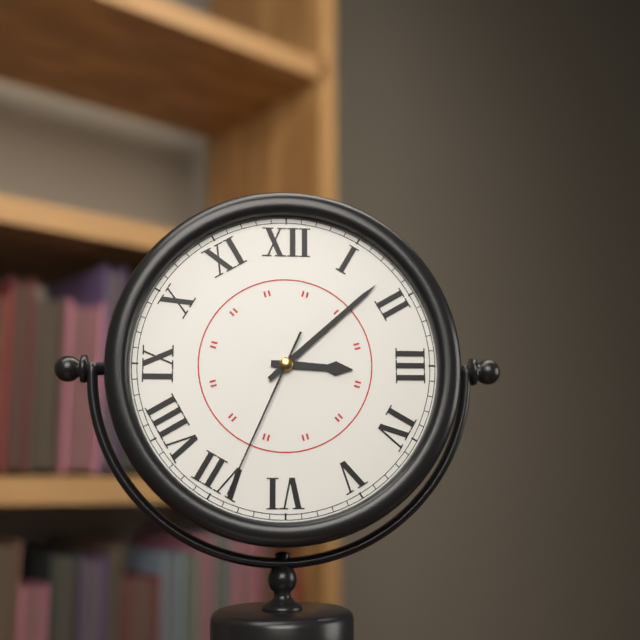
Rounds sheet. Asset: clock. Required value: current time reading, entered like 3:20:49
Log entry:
3:08:34
